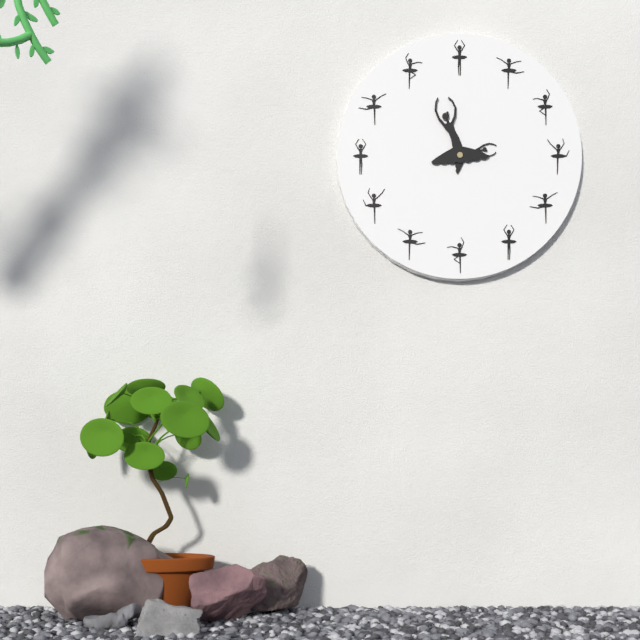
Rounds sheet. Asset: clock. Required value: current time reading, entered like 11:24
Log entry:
2:59
